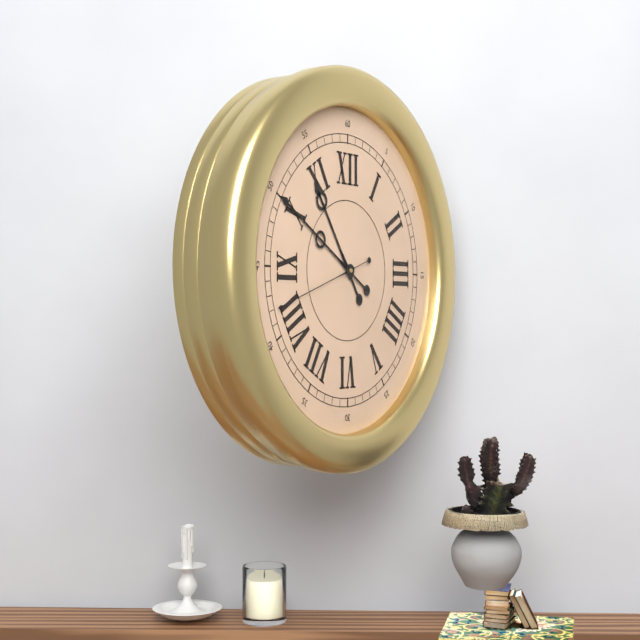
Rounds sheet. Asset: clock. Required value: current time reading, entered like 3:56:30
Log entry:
10:50:42
